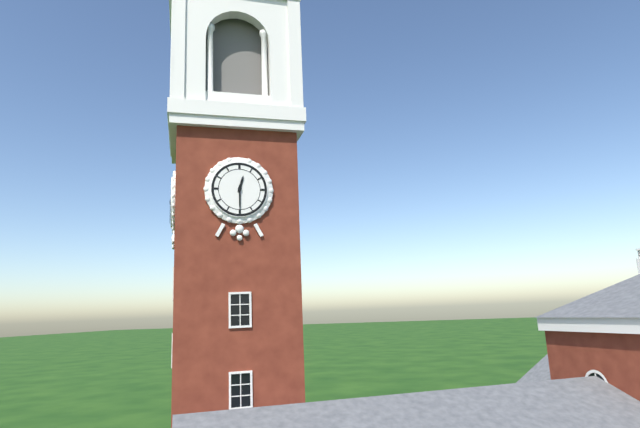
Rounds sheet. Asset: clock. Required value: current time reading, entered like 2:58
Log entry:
12:30
